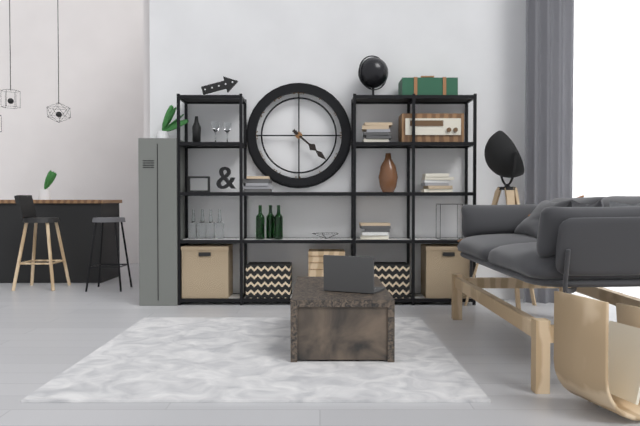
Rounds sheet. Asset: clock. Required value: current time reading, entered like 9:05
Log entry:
4:22
